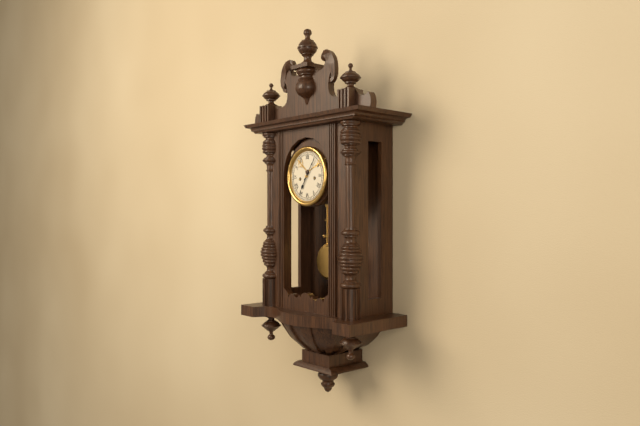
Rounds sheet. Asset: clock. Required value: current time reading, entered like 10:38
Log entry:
7:06
